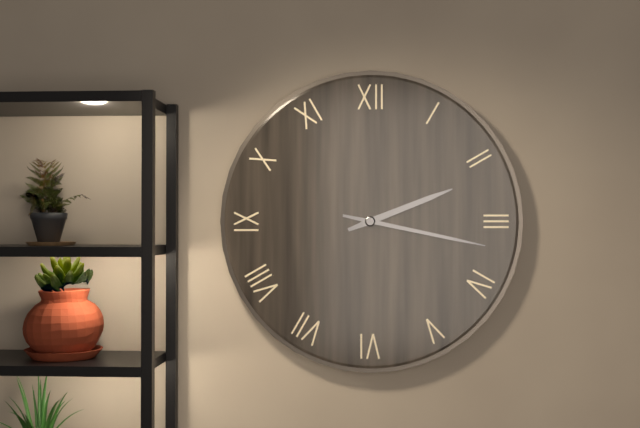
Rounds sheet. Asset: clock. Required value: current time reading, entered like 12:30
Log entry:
2:17
